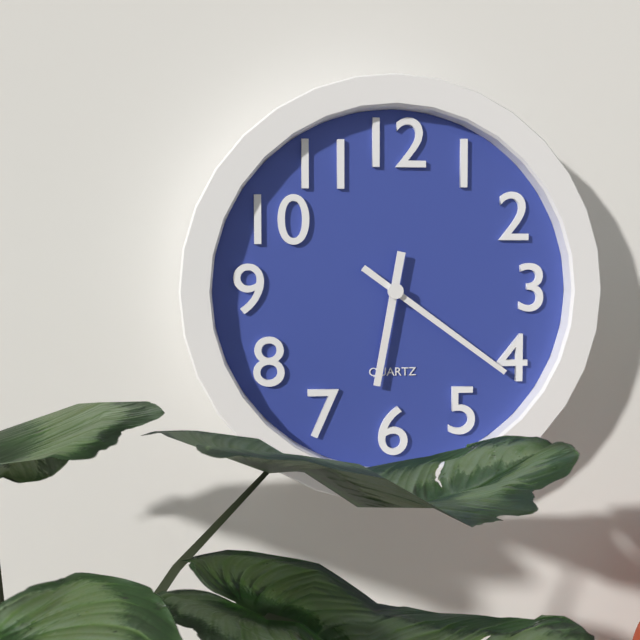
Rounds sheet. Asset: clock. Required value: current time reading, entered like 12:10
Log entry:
6:21
